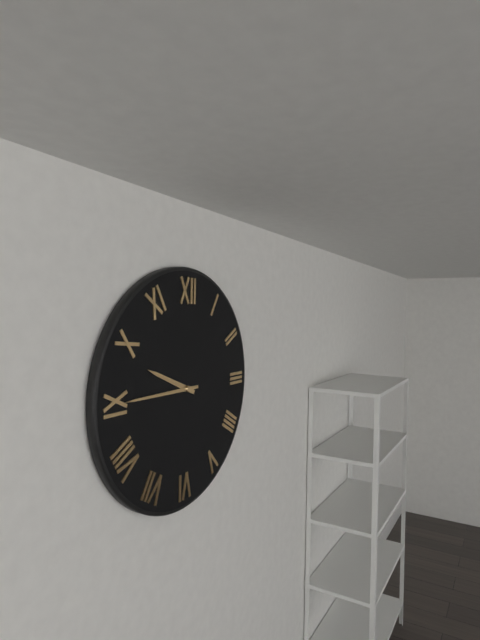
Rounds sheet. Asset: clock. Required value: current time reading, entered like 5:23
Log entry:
9:45
